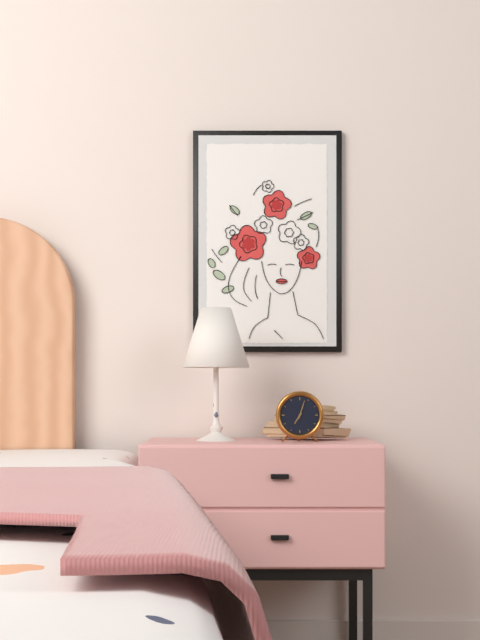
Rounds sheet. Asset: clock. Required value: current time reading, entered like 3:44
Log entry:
7:03
